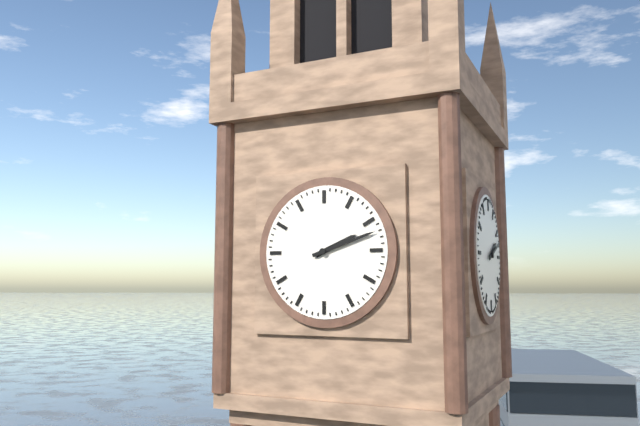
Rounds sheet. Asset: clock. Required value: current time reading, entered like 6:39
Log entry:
2:12
